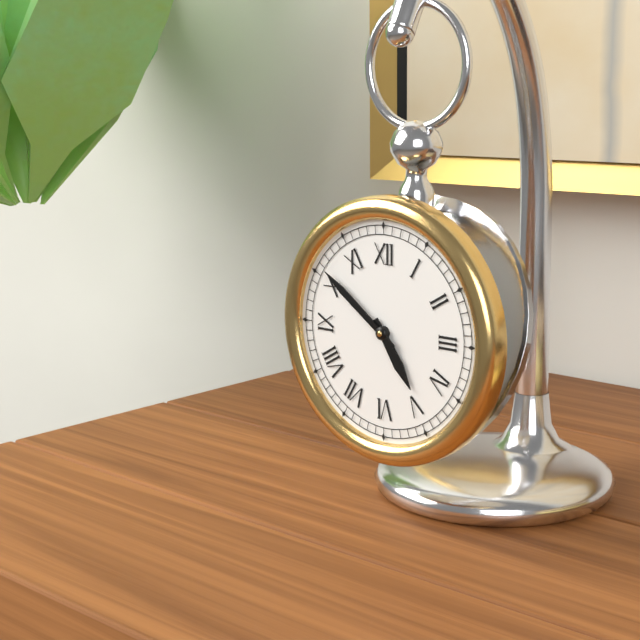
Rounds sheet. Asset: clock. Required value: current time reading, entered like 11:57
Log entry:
4:51
